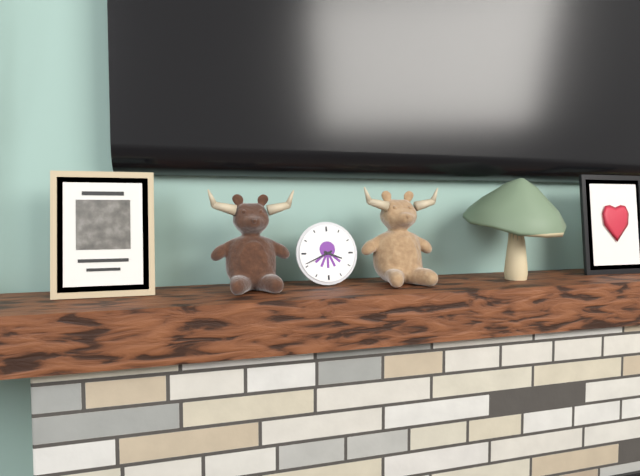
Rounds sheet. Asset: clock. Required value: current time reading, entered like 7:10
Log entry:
3:41
